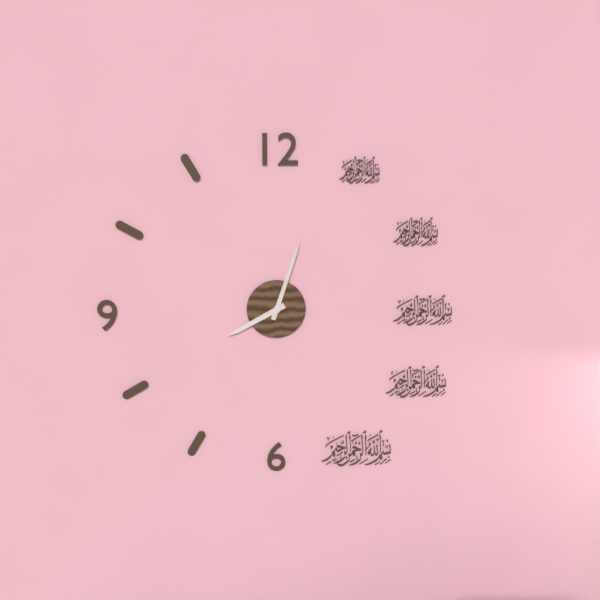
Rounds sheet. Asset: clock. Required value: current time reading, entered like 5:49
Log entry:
8:03
